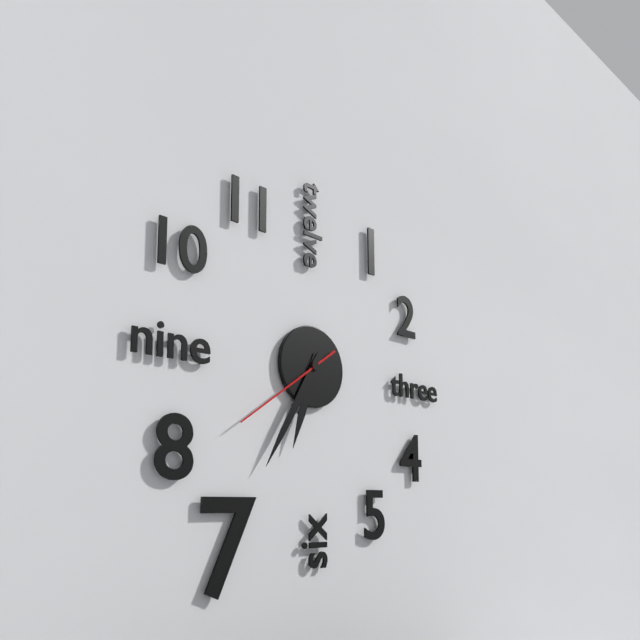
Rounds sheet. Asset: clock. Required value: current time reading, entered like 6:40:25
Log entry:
6:35:39
